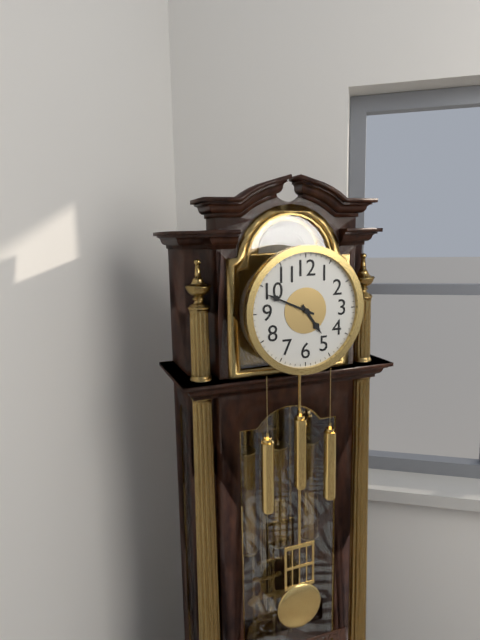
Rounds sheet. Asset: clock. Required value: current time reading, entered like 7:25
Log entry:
4:49
